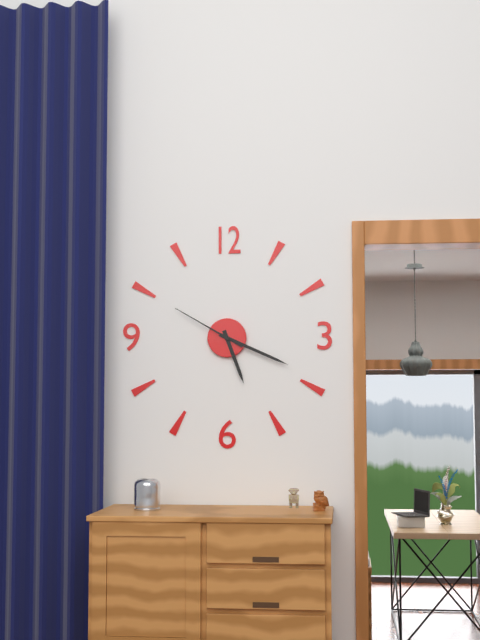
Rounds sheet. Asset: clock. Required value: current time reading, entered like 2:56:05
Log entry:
5:19:50
